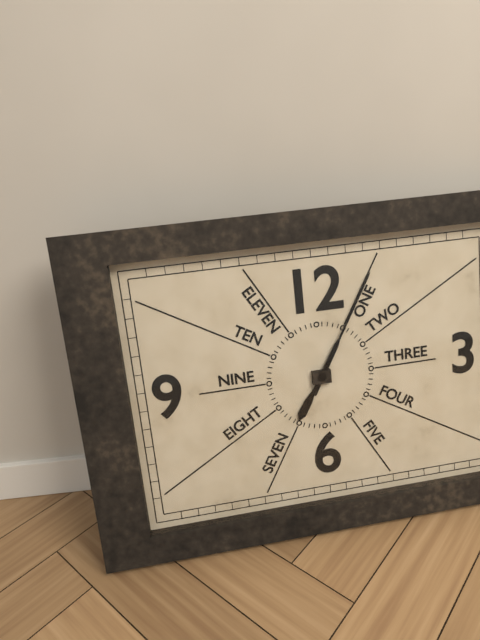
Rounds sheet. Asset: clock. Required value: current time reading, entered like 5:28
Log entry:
7:05
